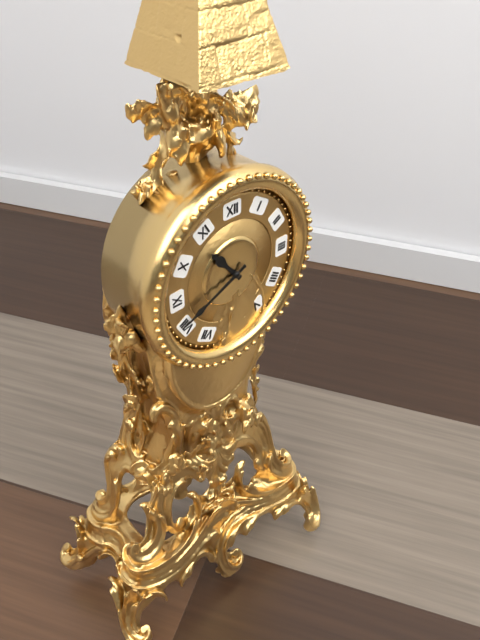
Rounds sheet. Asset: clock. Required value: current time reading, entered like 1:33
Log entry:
10:41
